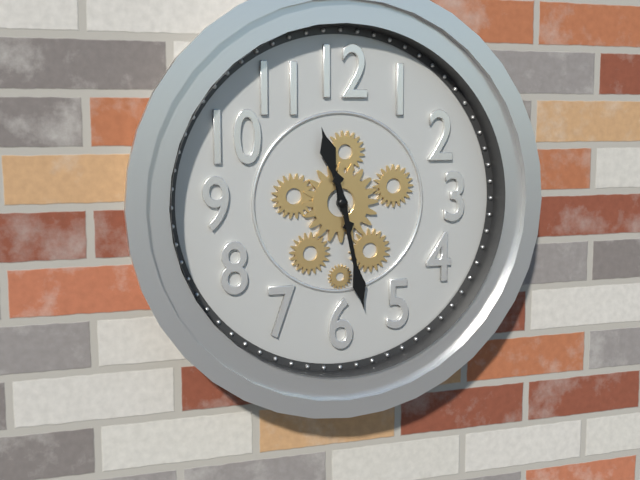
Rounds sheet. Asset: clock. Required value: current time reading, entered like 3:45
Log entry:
11:28
